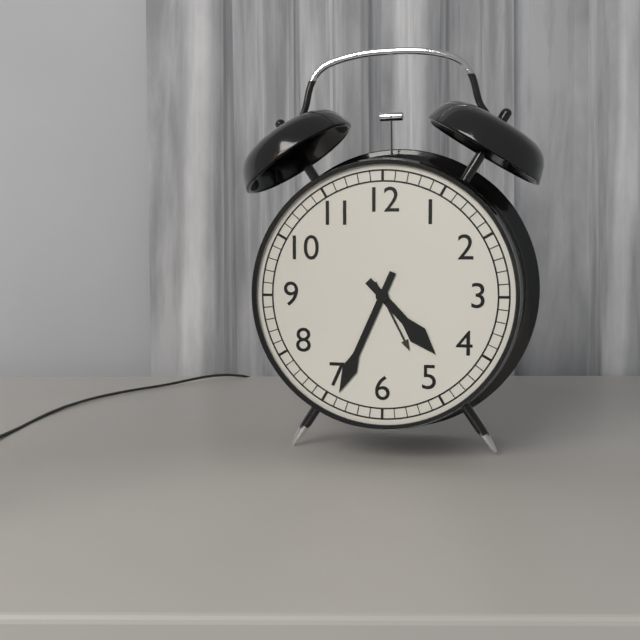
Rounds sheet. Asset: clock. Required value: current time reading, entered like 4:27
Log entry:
4:34
